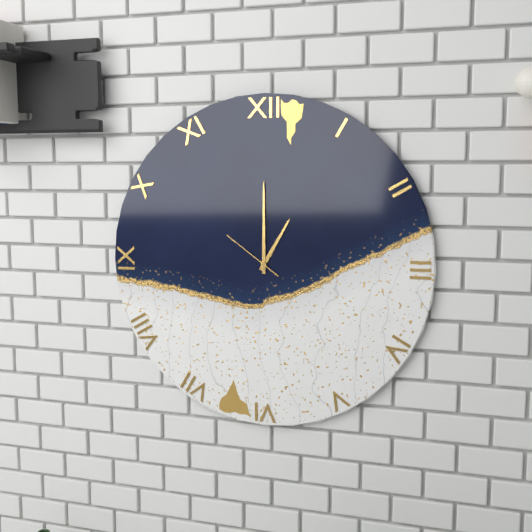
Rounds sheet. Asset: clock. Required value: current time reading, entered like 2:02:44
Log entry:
1:00:51
